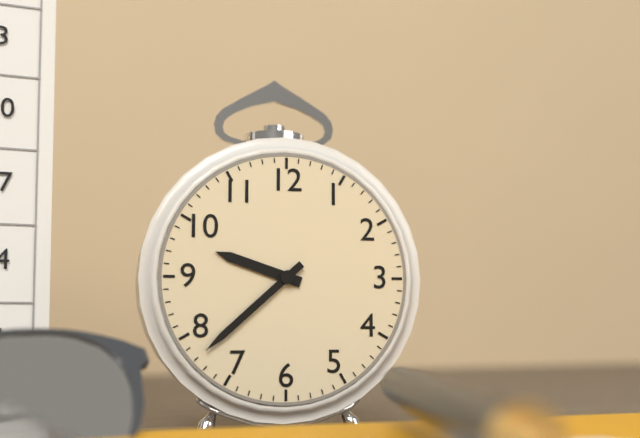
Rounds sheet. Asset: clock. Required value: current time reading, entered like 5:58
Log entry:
9:38
